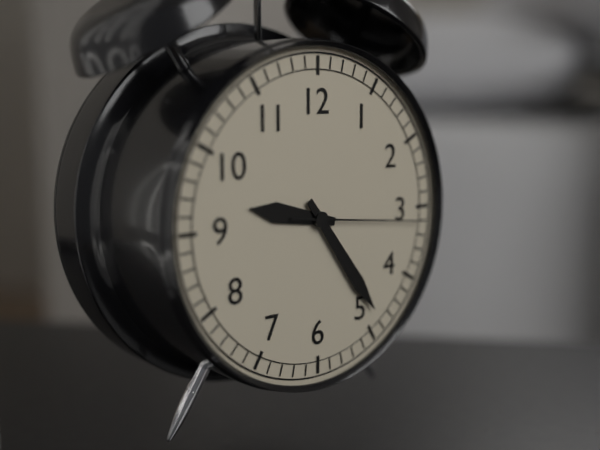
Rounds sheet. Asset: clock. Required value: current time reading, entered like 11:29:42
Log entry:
9:24:16
